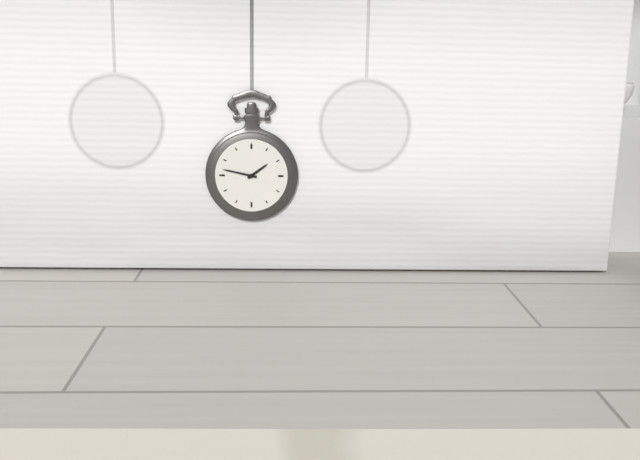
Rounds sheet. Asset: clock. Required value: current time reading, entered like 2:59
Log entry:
1:47
